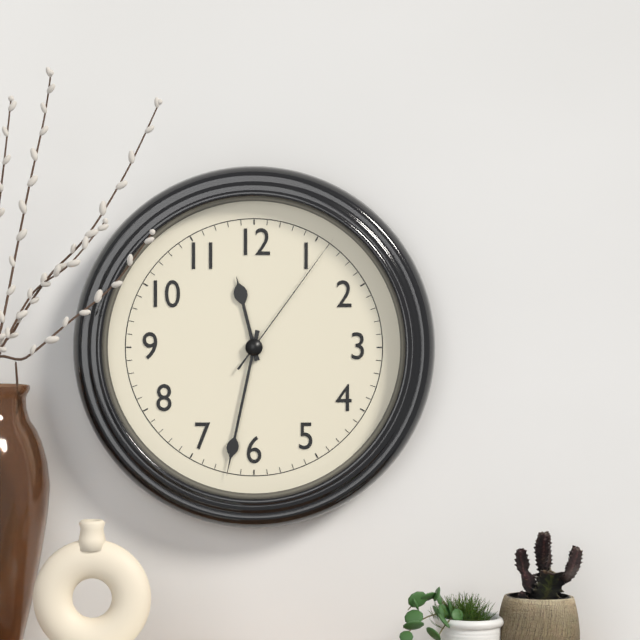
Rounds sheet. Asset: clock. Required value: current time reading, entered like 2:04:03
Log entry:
11:32:06
